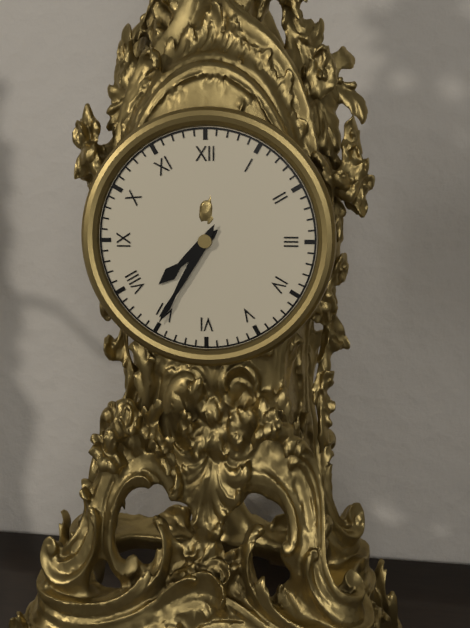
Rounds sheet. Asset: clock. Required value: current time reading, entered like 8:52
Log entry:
7:35
